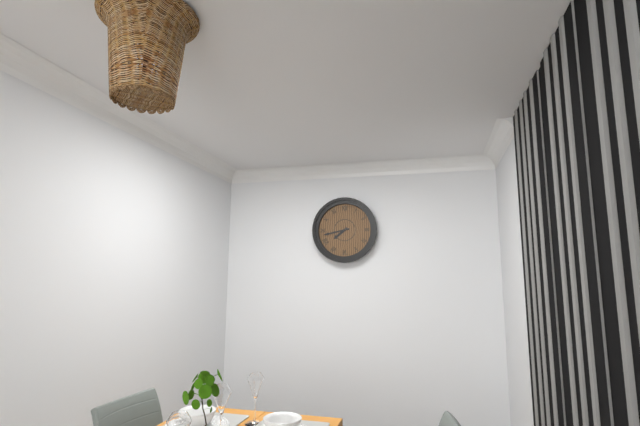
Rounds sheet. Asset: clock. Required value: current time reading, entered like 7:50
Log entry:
7:43
